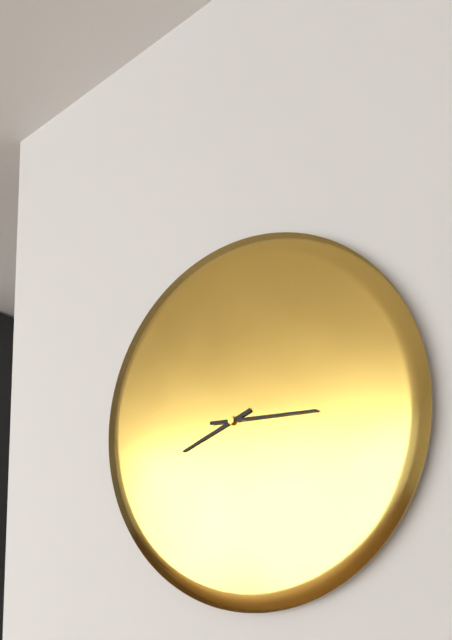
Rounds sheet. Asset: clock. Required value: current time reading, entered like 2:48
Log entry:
8:15
